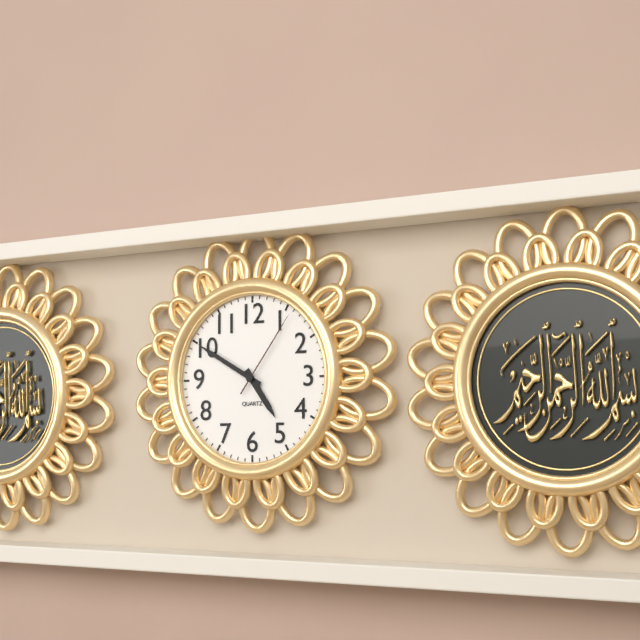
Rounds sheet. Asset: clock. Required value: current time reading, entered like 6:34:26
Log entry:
4:50:06
